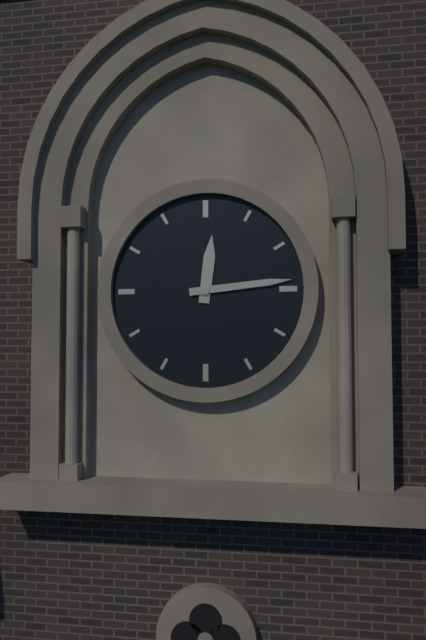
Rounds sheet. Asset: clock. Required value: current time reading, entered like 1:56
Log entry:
12:14
